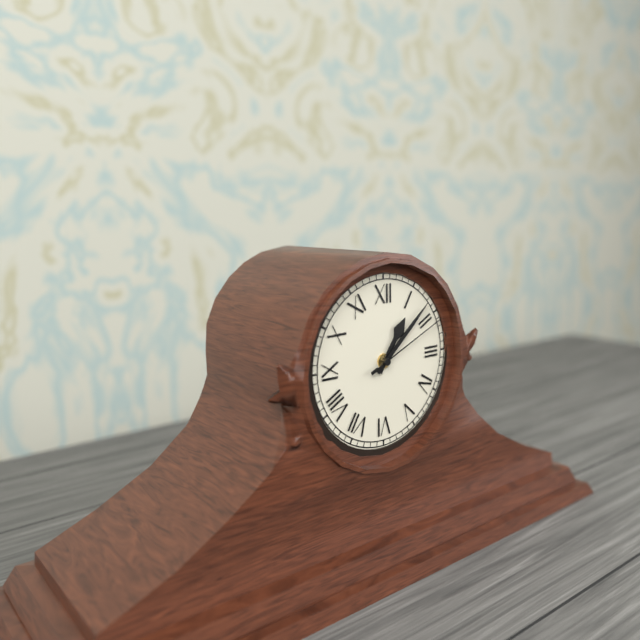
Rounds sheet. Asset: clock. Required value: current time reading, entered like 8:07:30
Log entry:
1:08:11
